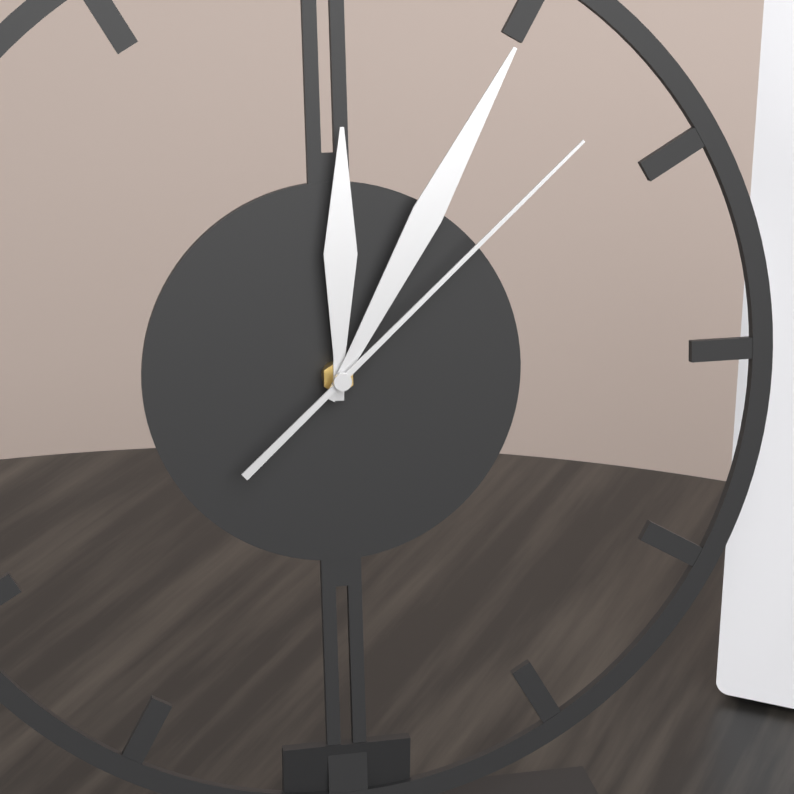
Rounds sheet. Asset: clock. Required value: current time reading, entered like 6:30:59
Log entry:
12:05:08
